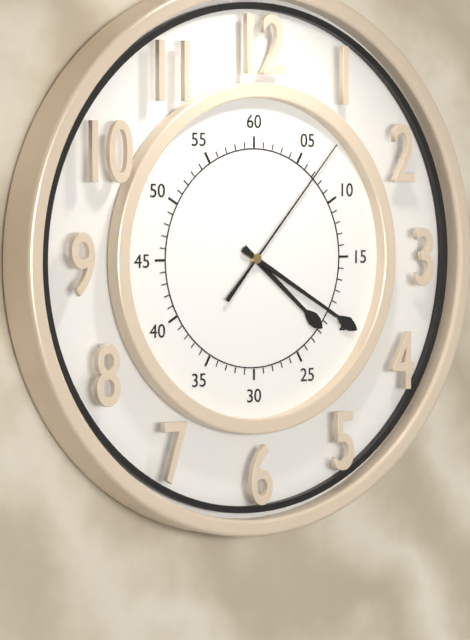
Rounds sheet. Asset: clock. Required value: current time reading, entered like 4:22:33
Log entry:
4:20:07
